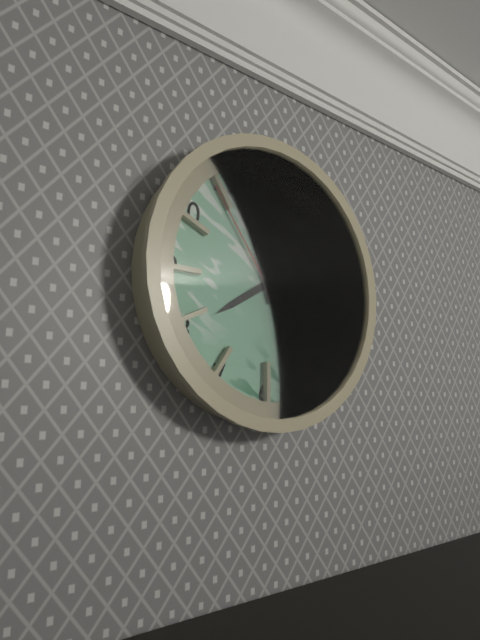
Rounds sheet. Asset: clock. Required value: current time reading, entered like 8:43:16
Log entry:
7:57:54
